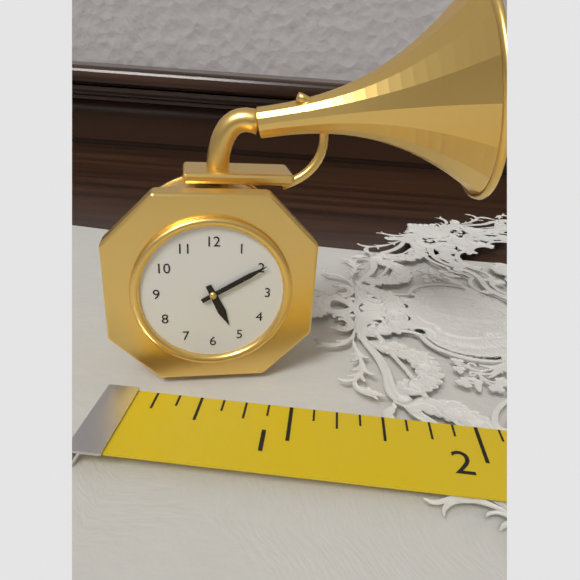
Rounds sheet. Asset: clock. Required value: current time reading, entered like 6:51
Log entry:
5:10
